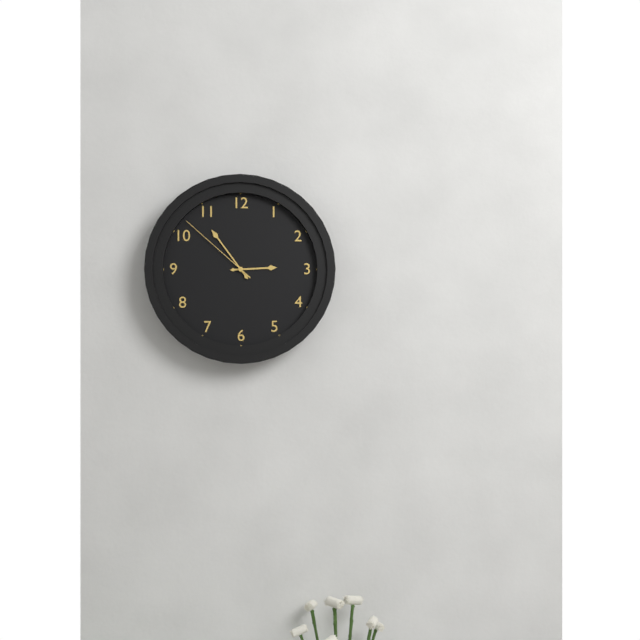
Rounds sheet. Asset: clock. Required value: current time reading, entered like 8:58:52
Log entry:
2:54:52
